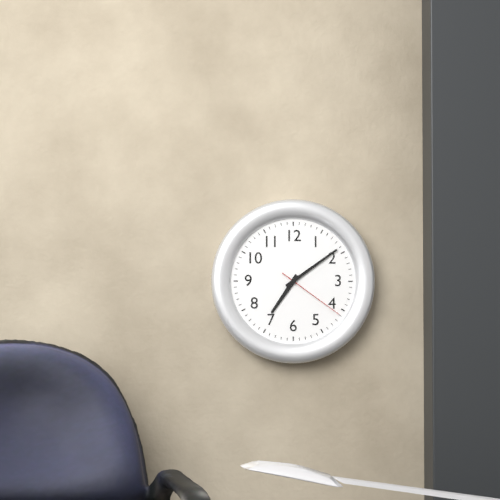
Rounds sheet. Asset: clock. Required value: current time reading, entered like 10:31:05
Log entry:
7:09:21
